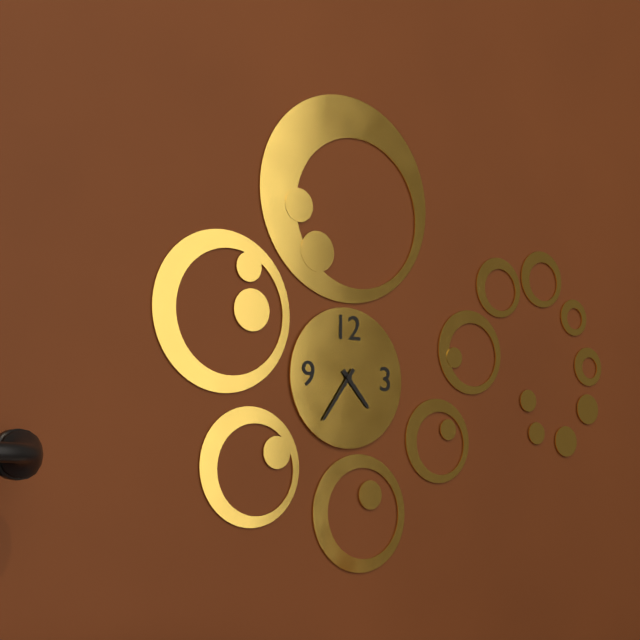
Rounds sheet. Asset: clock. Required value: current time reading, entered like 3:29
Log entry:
4:36
